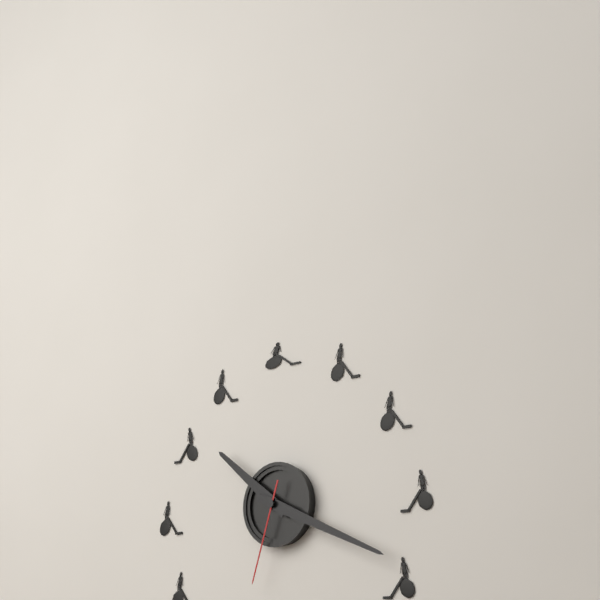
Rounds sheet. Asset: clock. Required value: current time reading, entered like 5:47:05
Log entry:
10:19:33
